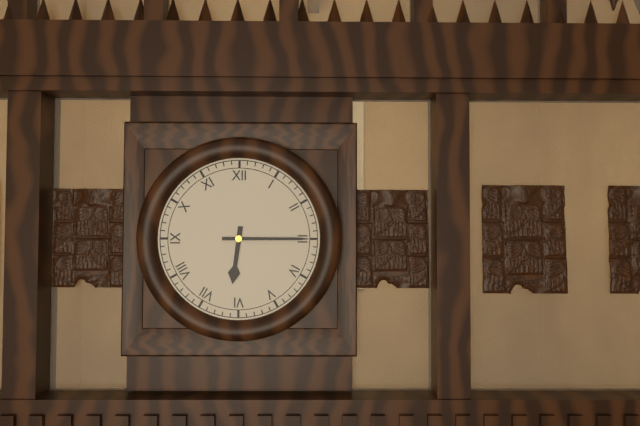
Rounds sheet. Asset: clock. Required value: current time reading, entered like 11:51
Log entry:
6:15
